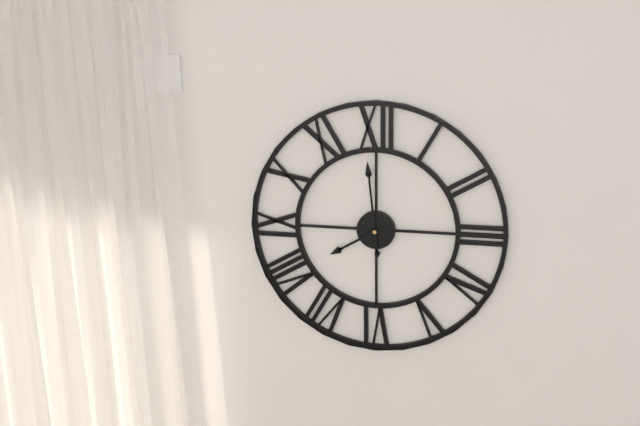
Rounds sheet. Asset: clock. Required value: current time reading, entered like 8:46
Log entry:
7:59
